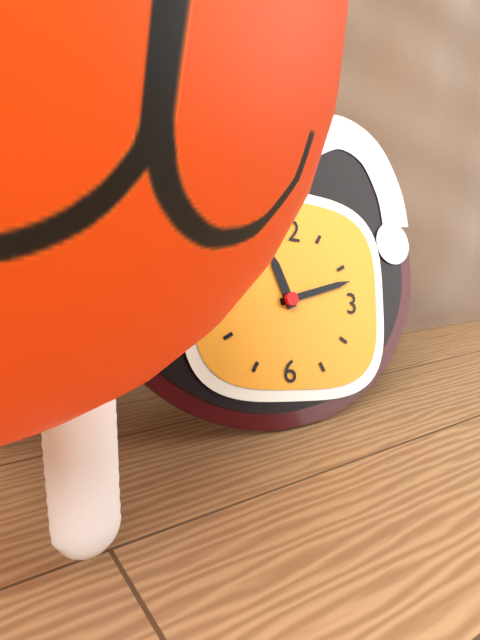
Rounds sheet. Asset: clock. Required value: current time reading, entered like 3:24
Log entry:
11:12
